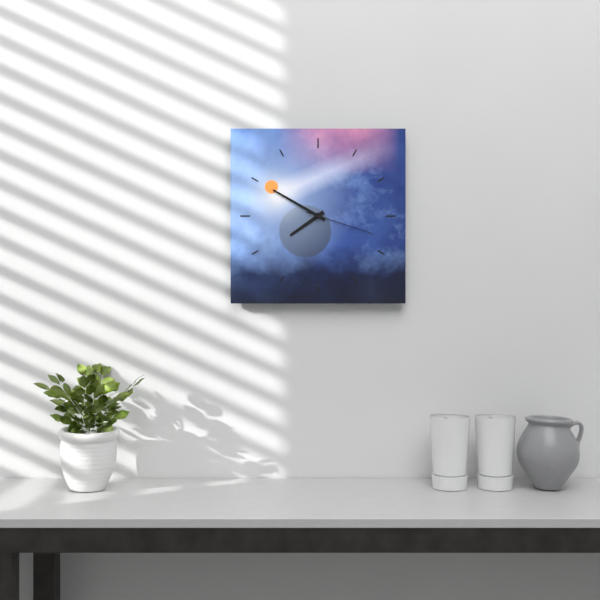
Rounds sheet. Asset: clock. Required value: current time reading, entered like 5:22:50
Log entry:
7:50:18
